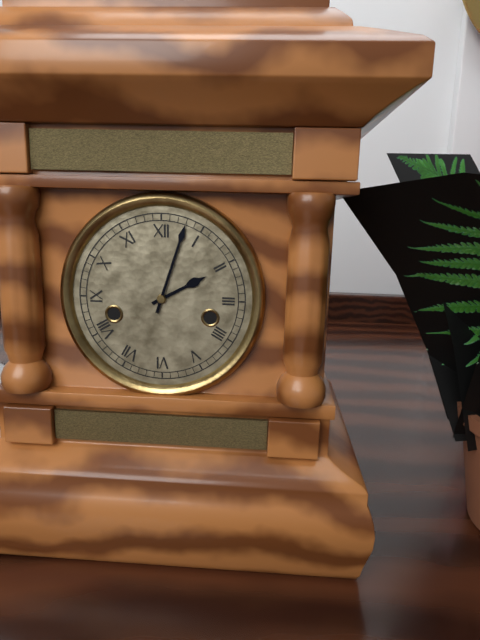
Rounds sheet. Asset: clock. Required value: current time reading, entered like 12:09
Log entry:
2:03
